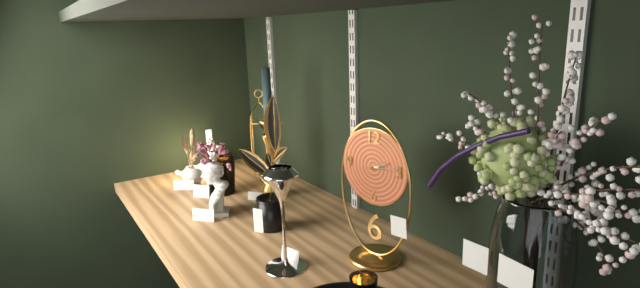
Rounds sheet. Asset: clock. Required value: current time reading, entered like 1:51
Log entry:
2:14
